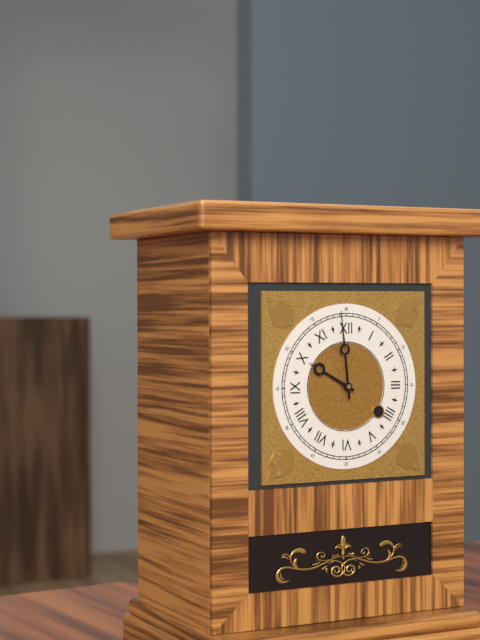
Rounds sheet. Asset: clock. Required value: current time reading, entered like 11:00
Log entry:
9:59
